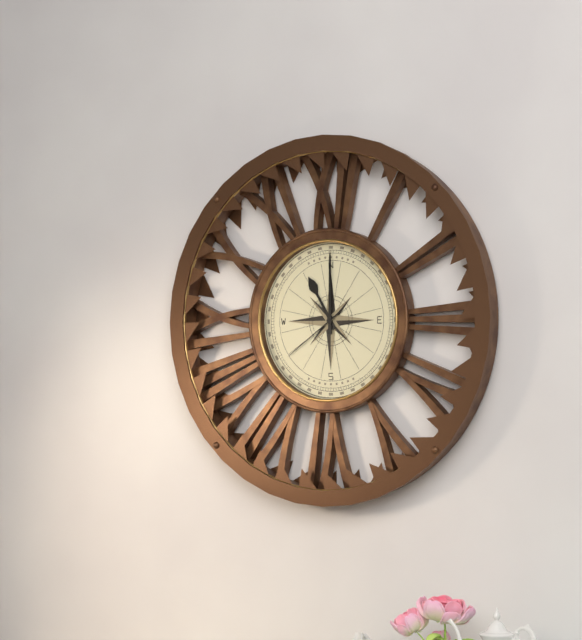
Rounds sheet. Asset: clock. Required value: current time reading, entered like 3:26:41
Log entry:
11:00:39
